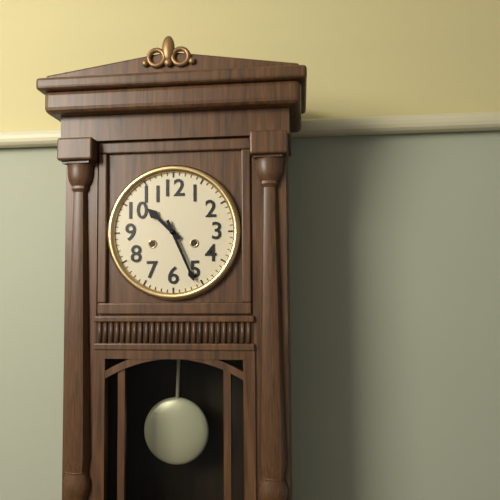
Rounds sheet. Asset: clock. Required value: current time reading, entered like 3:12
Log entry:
10:26
